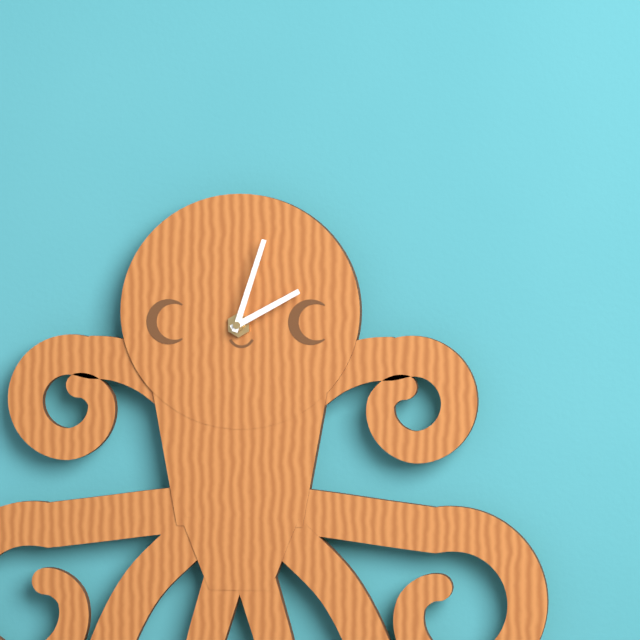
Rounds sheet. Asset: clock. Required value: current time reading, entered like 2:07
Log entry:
2:03
